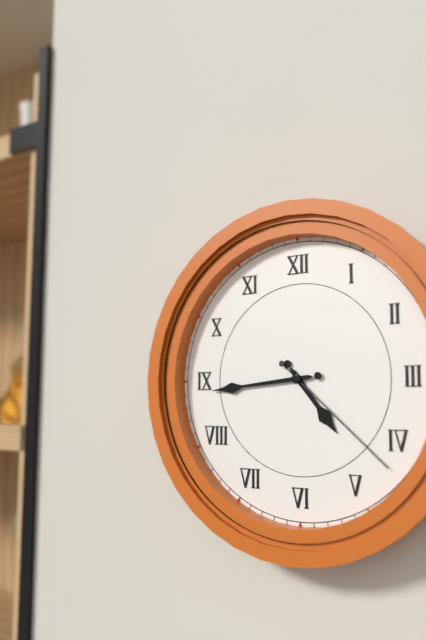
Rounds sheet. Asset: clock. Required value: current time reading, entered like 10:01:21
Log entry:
4:44:22
